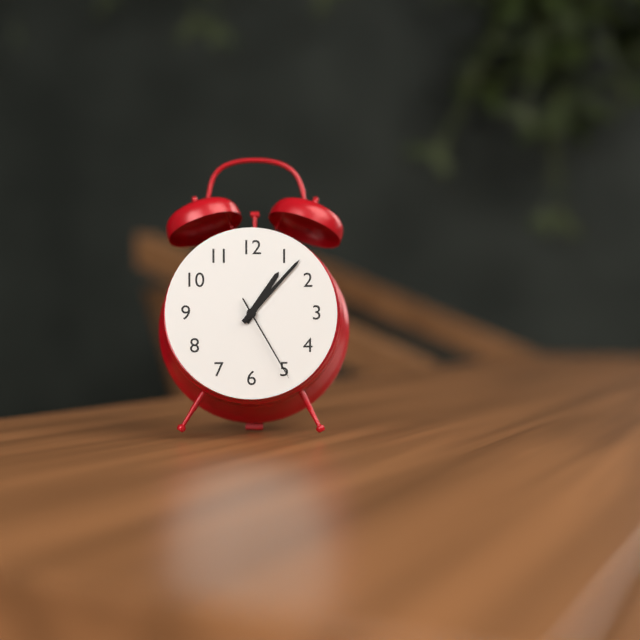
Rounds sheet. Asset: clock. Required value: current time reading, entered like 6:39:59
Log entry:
1:07:25
